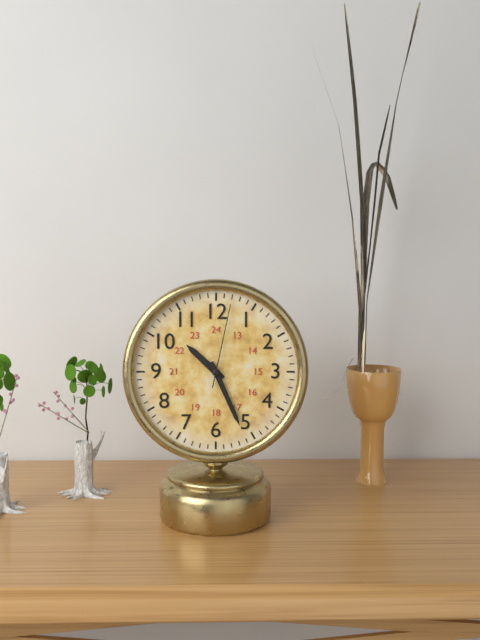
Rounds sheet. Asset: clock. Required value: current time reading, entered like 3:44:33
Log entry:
10:26:02
